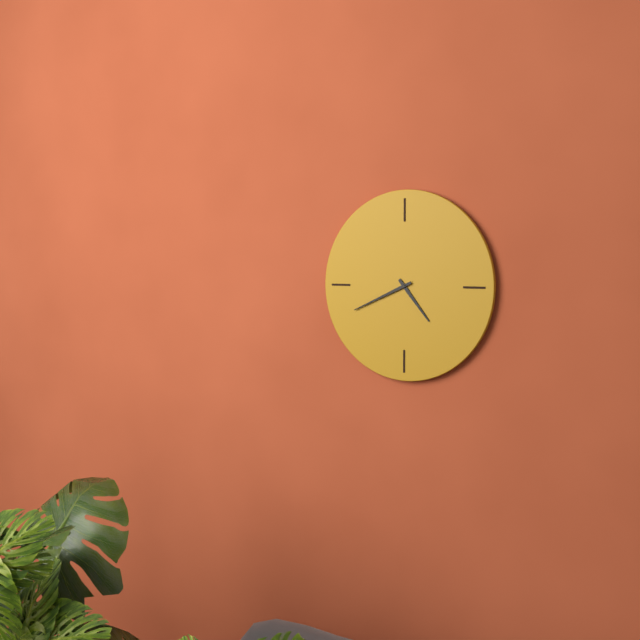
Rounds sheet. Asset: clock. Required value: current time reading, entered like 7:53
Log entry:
4:41
